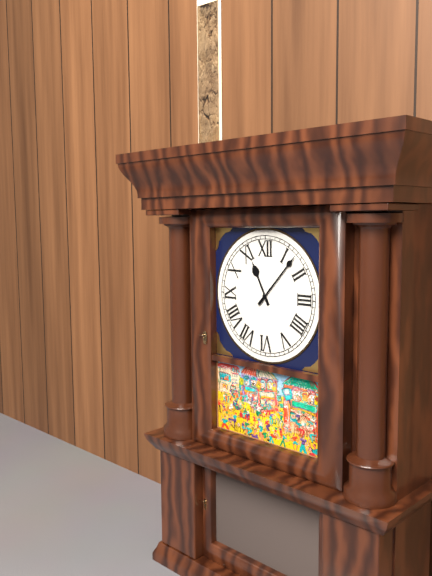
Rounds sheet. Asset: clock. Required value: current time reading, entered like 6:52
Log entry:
11:07
